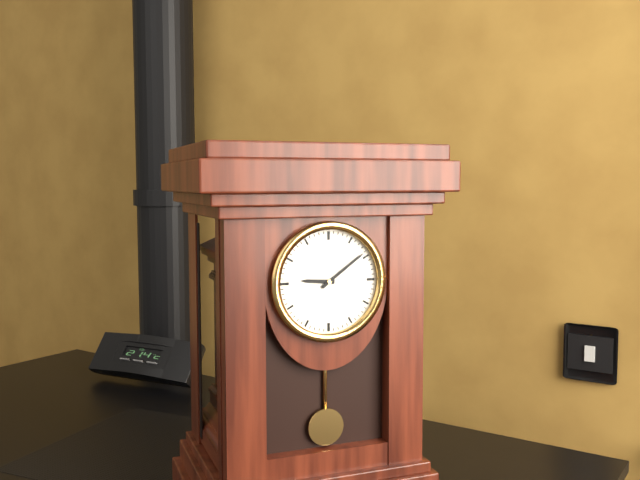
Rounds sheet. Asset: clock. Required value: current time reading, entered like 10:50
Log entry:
9:09
